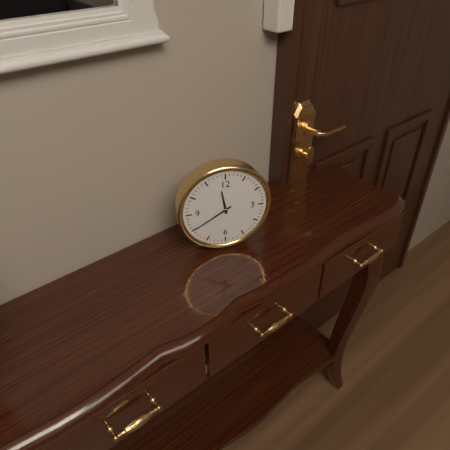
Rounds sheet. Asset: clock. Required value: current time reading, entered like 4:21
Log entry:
11:40
